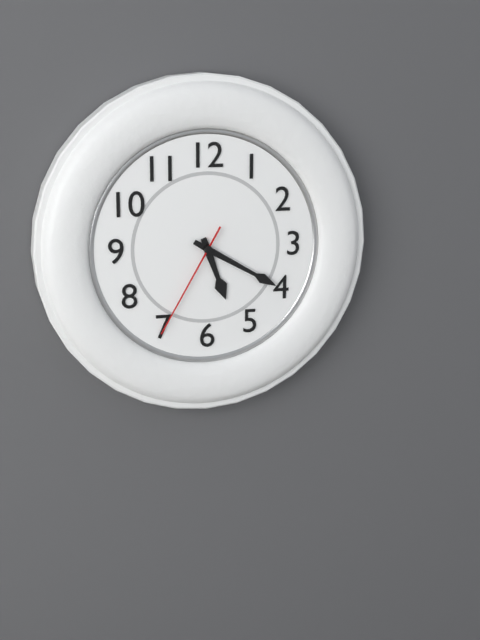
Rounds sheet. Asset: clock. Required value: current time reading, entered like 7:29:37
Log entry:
5:20:35
